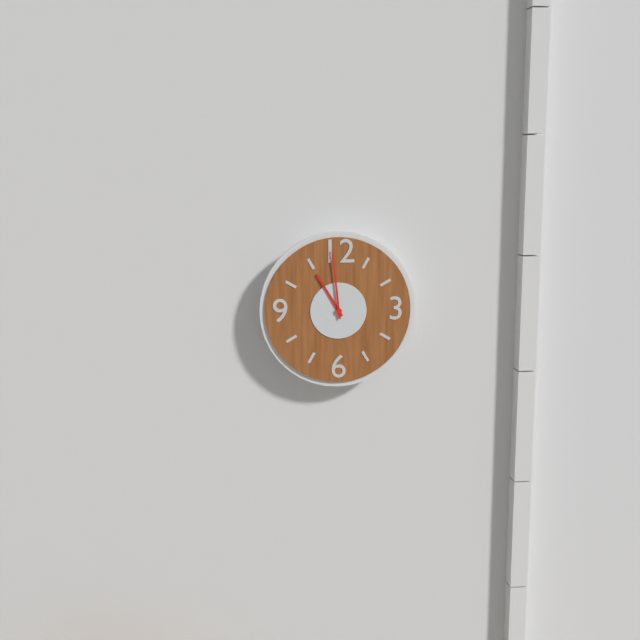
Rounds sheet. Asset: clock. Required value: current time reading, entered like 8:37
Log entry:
10:59
